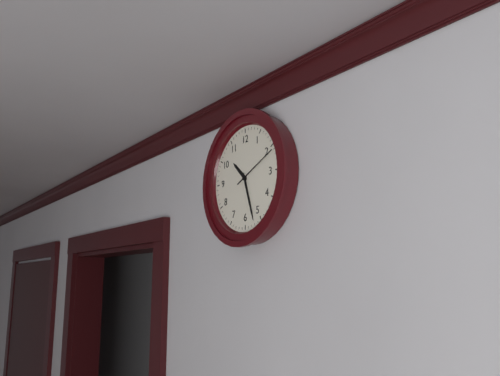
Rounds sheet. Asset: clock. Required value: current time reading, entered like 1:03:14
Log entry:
10:27:11
